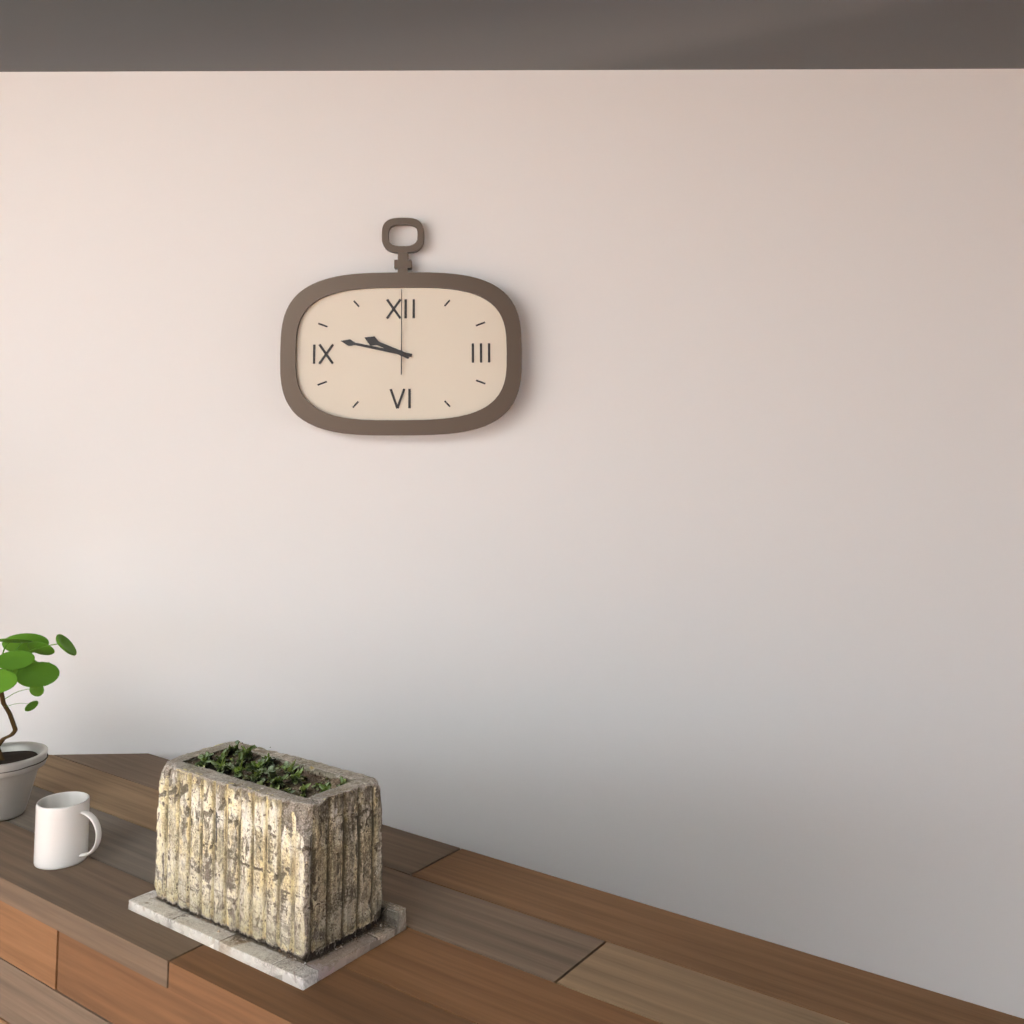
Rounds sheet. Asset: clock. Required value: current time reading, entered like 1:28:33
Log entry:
9:47:00
